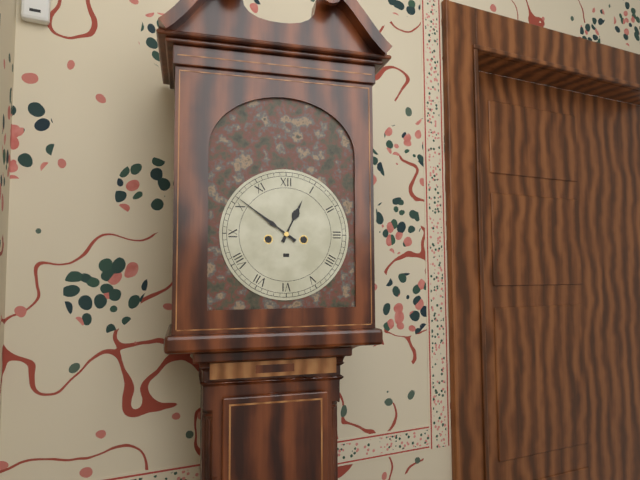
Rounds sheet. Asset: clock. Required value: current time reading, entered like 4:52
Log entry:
12:51
